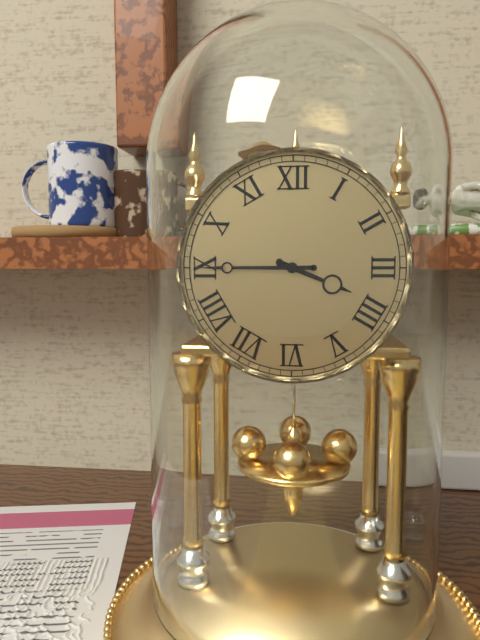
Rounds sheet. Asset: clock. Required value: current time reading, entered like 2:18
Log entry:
3:45
